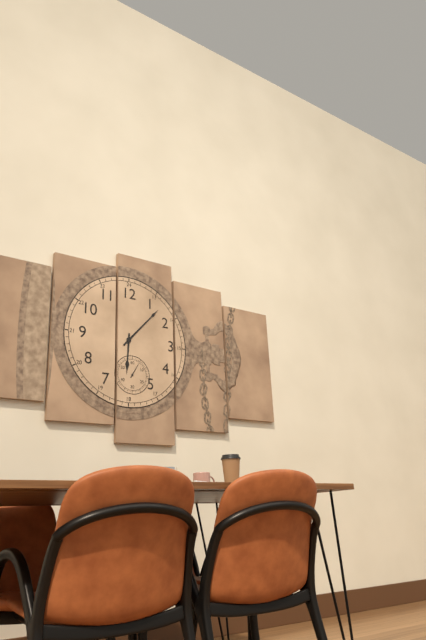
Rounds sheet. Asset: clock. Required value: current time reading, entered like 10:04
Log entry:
6:07
